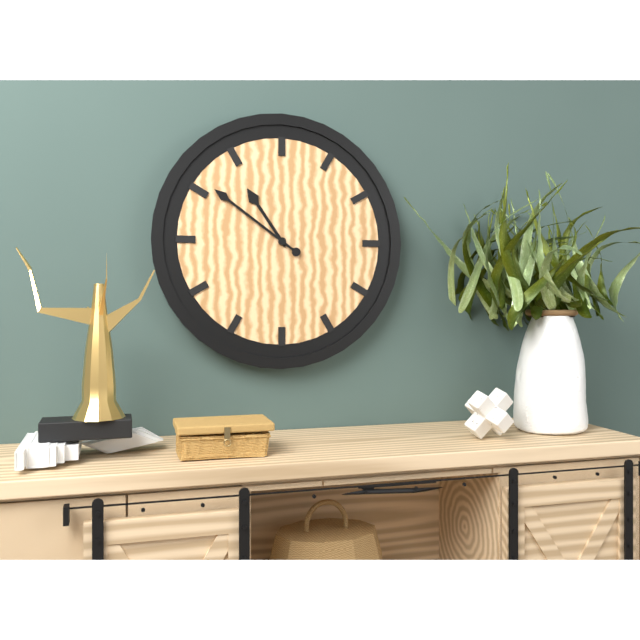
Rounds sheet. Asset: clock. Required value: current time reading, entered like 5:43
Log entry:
10:51
